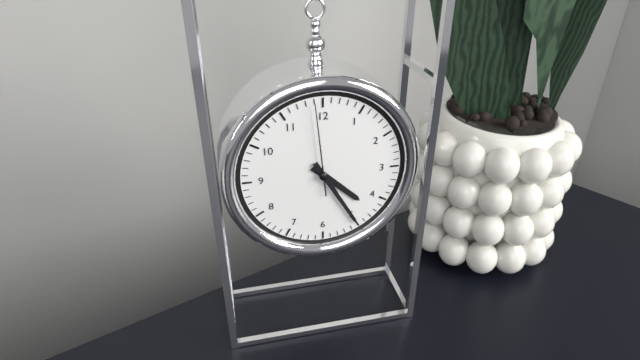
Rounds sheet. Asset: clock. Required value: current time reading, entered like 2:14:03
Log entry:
4:25:59
